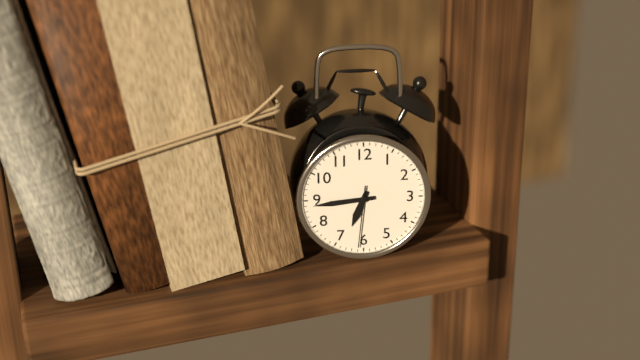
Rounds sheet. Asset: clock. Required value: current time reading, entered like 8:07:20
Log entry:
6:44:31
